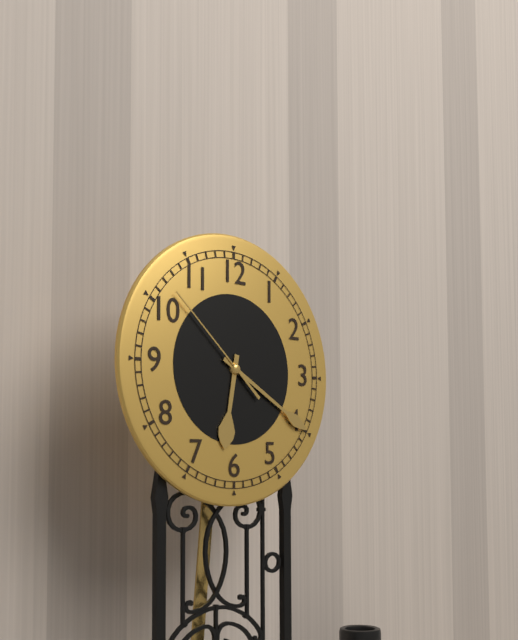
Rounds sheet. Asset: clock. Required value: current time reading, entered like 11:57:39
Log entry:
6:20:52
